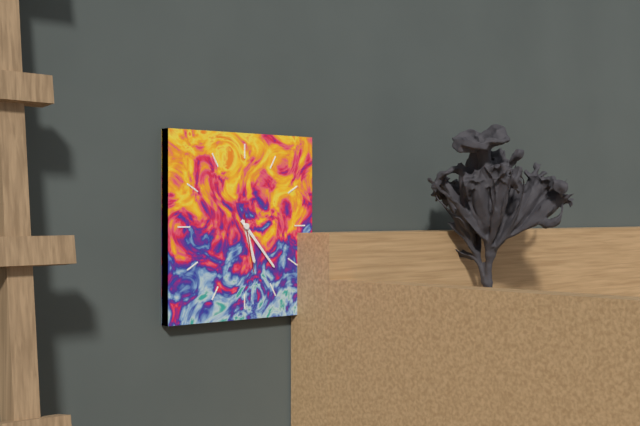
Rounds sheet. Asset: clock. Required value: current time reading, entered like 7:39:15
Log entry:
5:23:28
